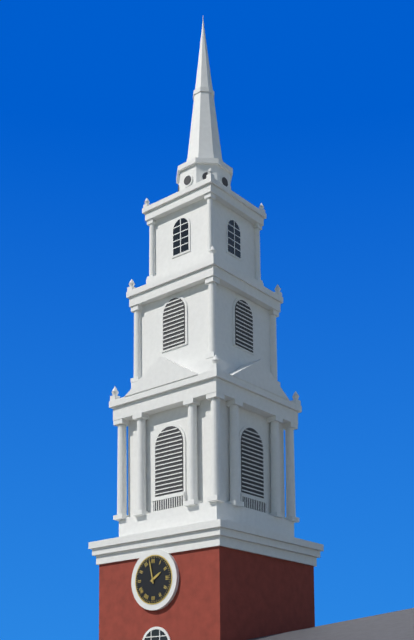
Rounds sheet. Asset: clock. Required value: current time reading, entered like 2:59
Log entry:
1:58
